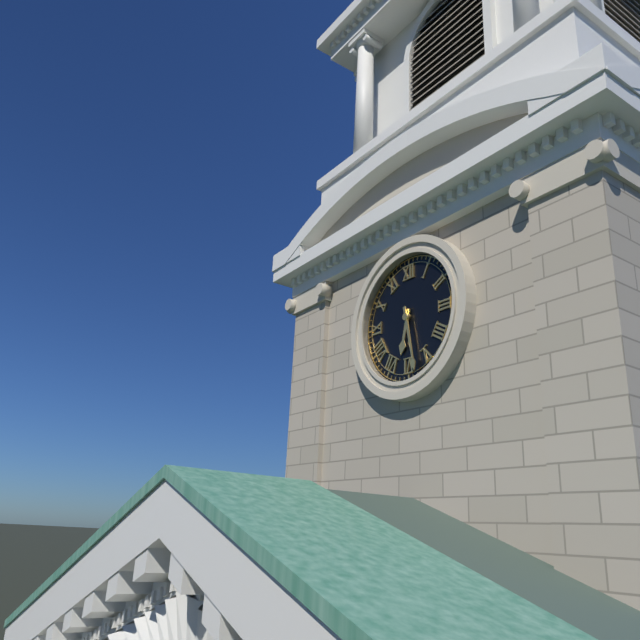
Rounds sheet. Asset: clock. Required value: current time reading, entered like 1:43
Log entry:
6:28
